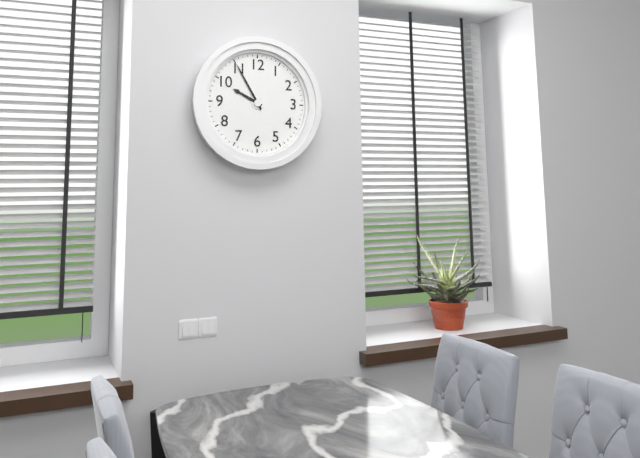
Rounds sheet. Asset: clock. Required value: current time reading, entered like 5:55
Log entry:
9:55
